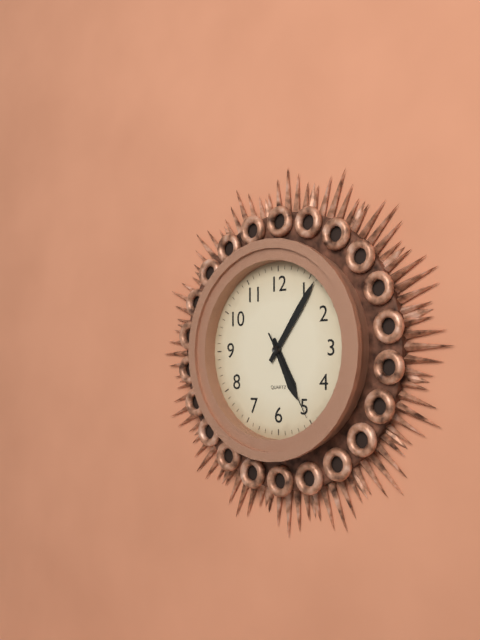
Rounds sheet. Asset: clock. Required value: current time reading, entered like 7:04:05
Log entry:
5:06:25
